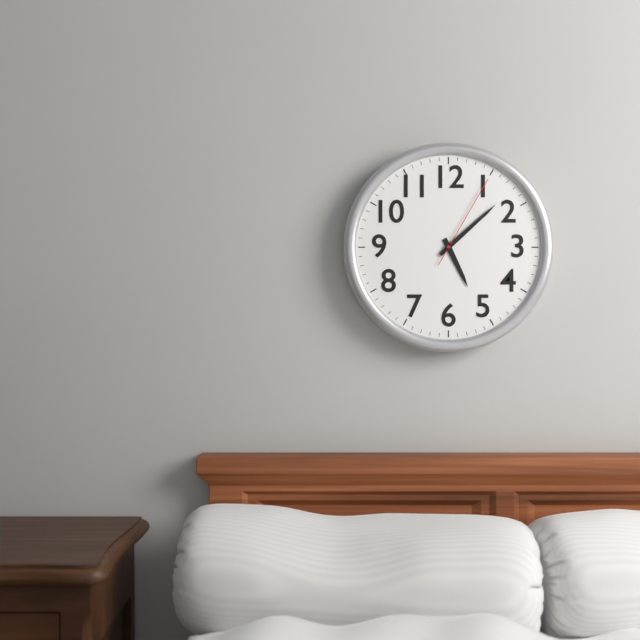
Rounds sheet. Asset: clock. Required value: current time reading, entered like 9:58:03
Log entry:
5:08:05
